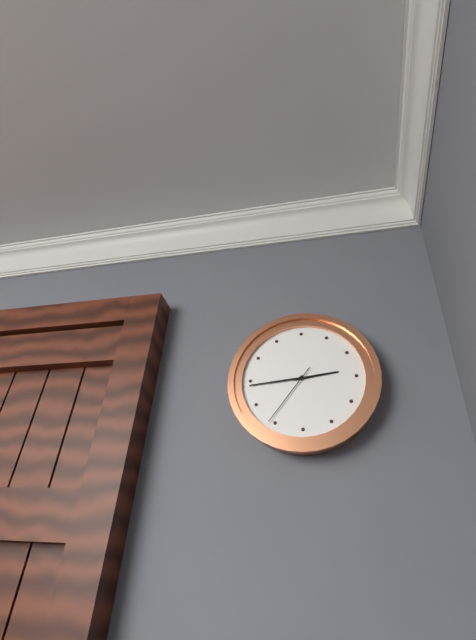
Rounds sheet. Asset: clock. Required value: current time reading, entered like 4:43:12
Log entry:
2:44:36
